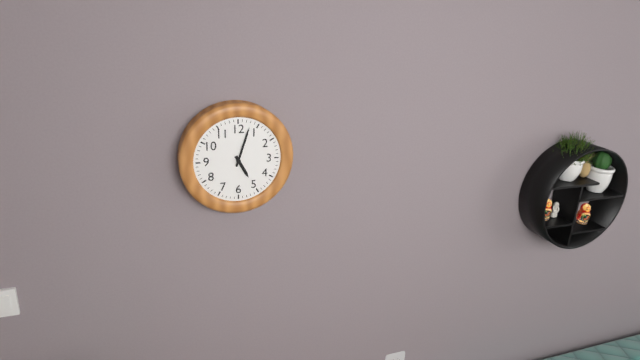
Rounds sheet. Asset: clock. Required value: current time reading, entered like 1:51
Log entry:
5:03
